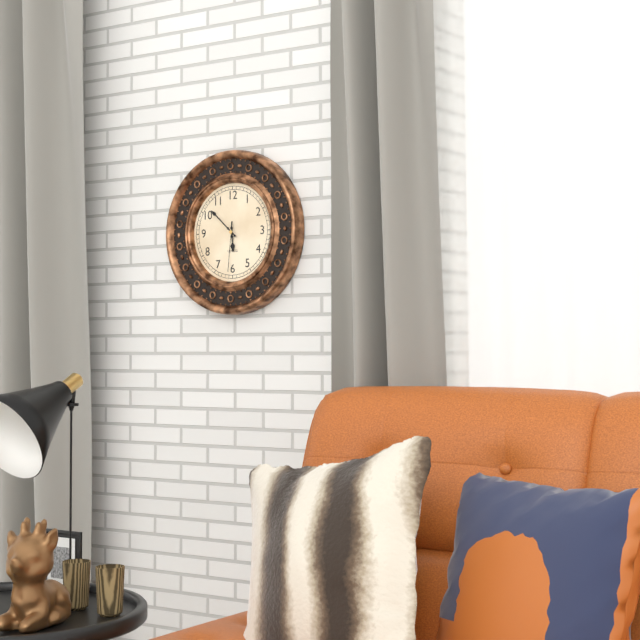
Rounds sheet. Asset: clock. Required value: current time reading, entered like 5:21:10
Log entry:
5:52:31
